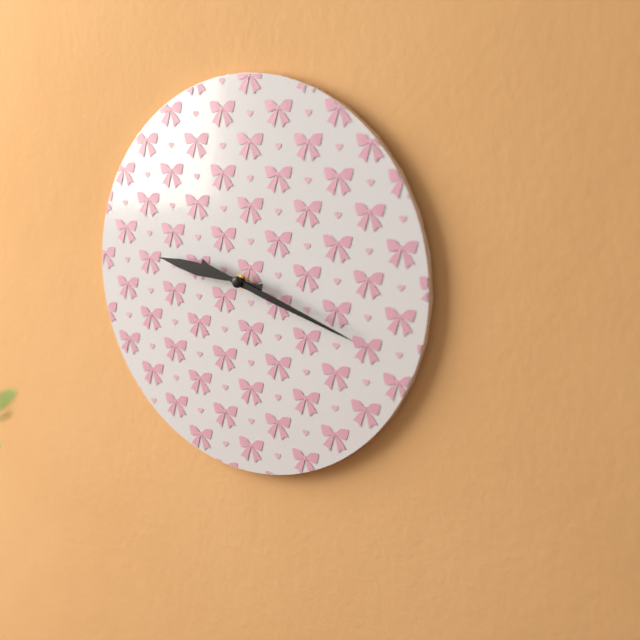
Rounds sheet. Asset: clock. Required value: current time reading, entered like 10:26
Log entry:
9:18
